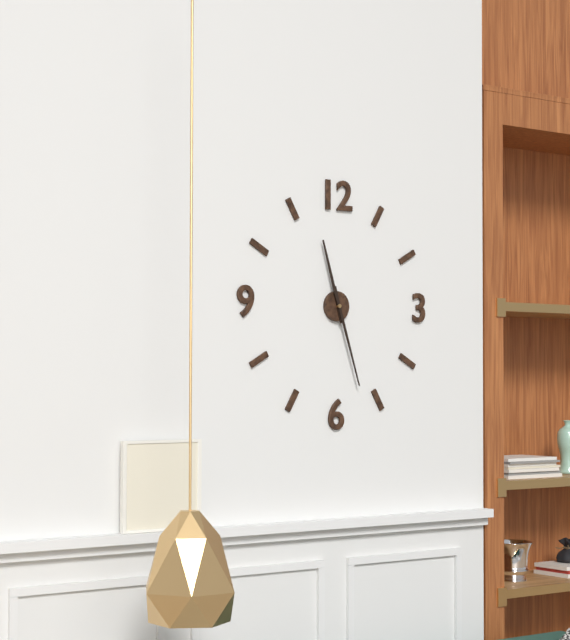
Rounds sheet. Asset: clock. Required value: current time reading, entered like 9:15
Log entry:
11:27
